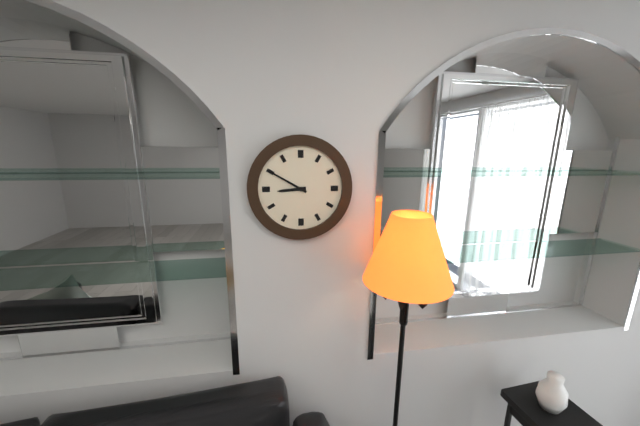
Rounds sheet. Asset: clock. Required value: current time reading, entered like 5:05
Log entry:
8:50
